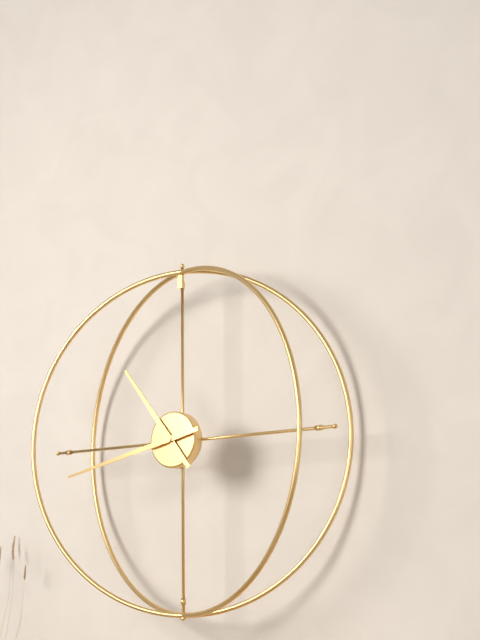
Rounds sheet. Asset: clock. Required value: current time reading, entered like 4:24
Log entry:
10:43
